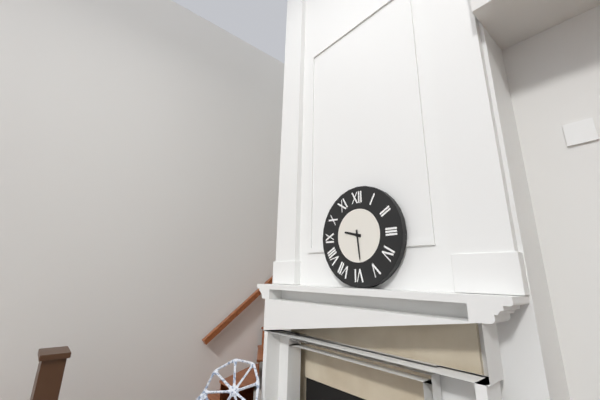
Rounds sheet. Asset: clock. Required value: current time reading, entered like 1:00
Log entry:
9:29
